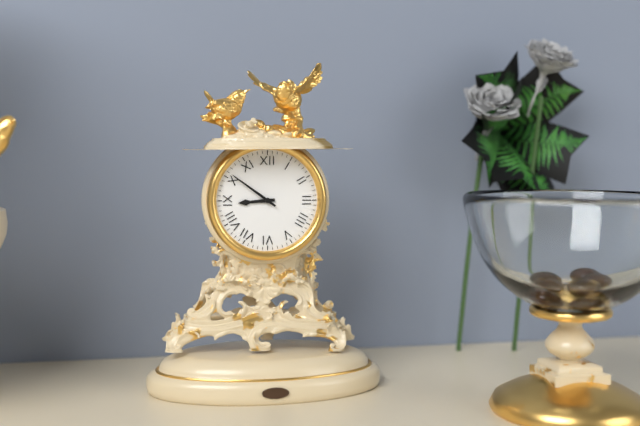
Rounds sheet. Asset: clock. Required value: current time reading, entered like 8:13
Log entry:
8:51
